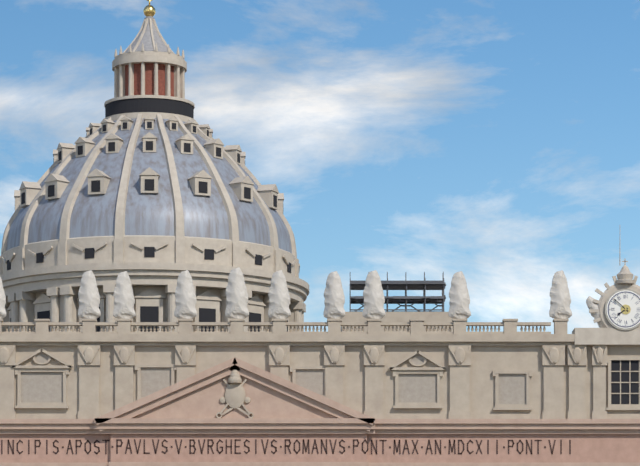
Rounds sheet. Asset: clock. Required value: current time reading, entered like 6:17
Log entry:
7:52
